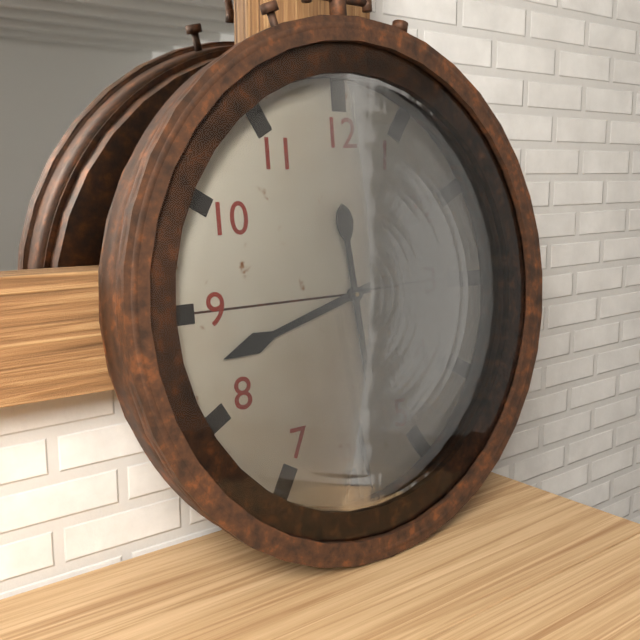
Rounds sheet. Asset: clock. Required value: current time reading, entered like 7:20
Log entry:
8:29
